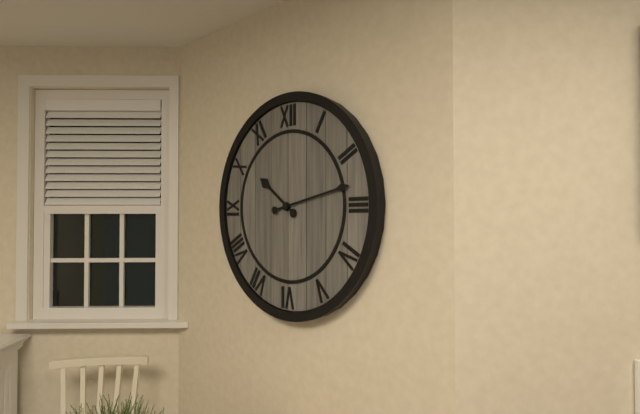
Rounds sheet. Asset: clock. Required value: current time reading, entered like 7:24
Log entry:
10:13
